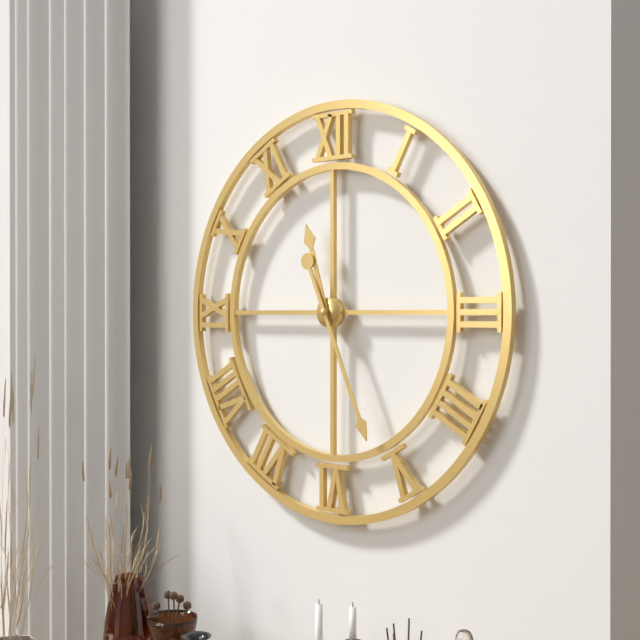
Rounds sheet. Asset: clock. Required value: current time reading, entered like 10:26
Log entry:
11:26
